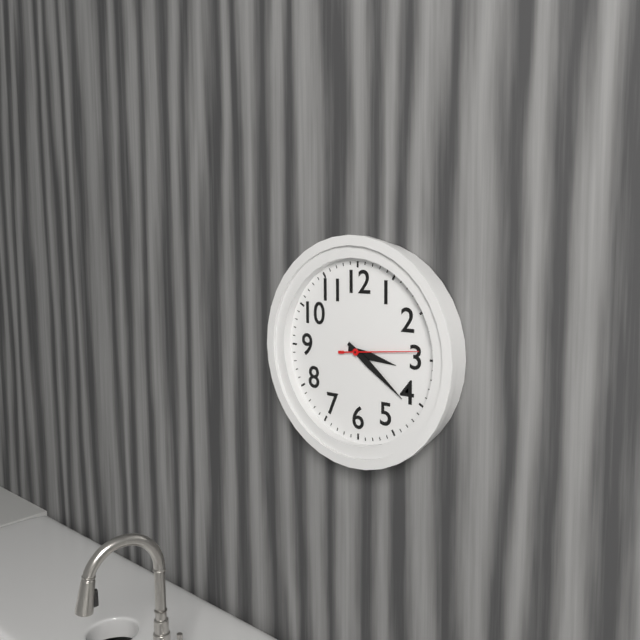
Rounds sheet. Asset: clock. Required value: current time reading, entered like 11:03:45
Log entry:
3:21:14
